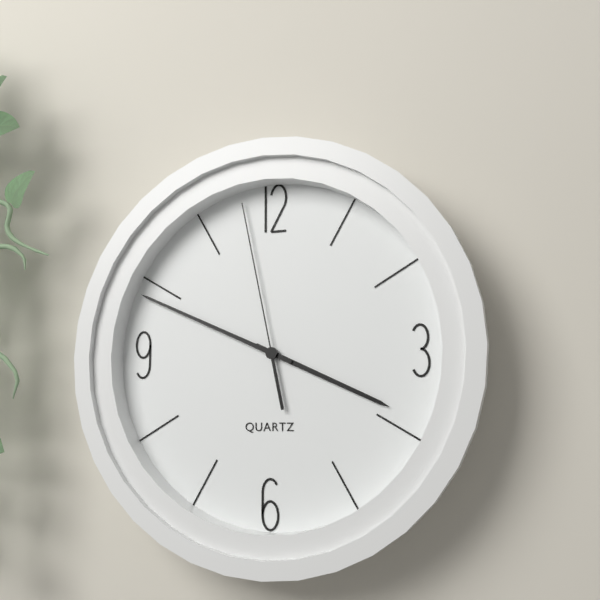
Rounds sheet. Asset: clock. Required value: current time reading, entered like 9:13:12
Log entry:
3:49:58
